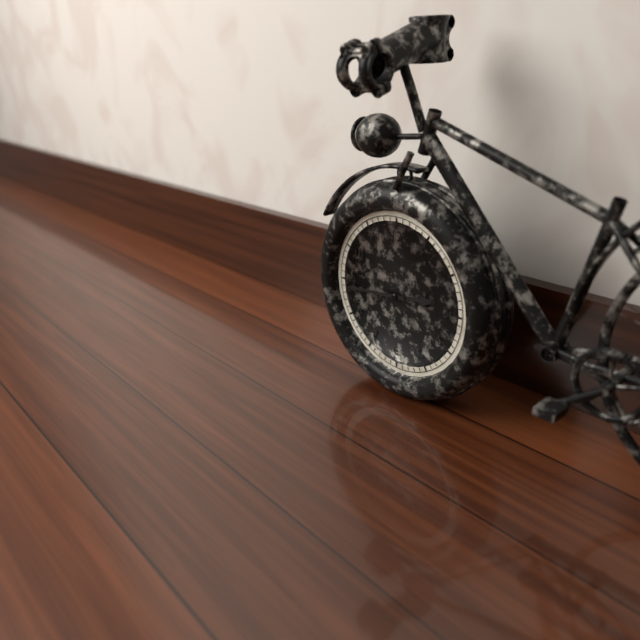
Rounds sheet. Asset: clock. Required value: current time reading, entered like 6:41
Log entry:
2:44
